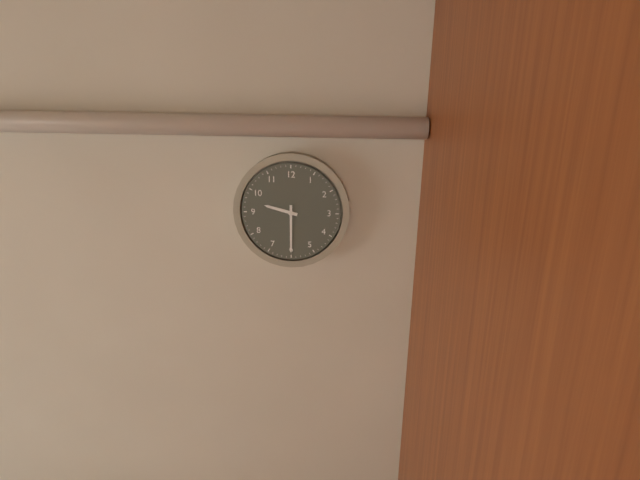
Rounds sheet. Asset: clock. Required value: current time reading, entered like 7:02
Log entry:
9:30
